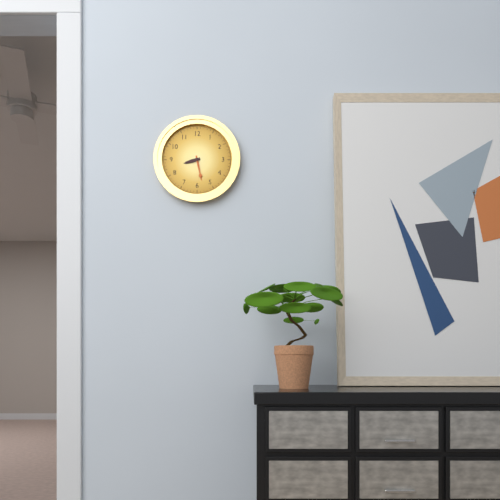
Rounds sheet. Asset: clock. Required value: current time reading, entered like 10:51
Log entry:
8:28
